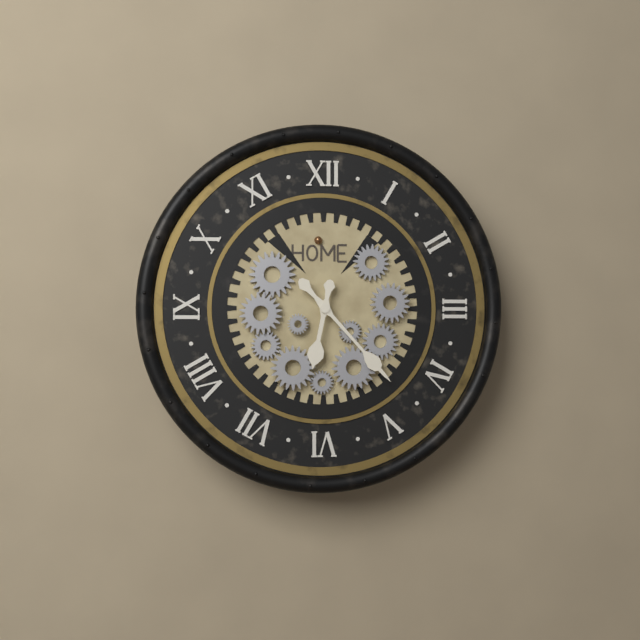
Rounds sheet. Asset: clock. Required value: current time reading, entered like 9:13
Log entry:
6:23
